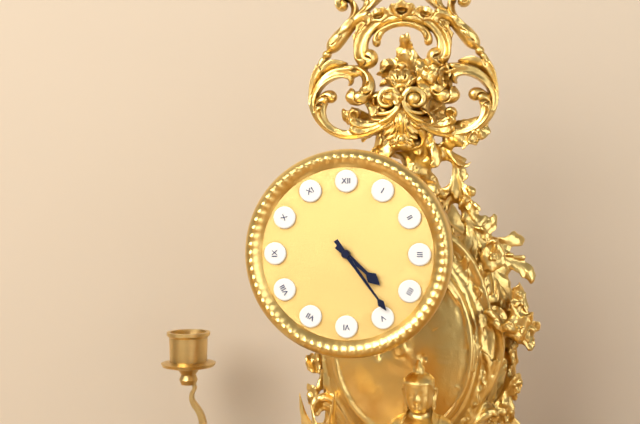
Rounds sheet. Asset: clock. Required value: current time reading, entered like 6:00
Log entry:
4:24
